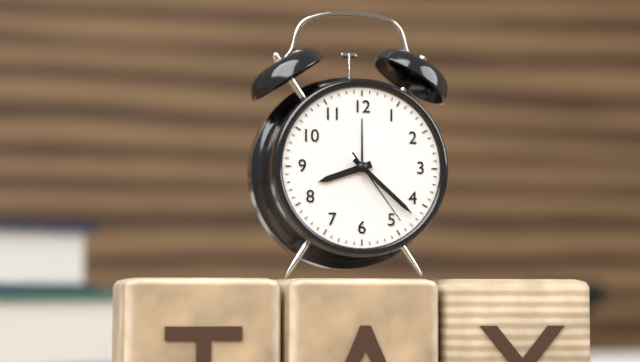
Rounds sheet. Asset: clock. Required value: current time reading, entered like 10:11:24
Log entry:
8:22:24
